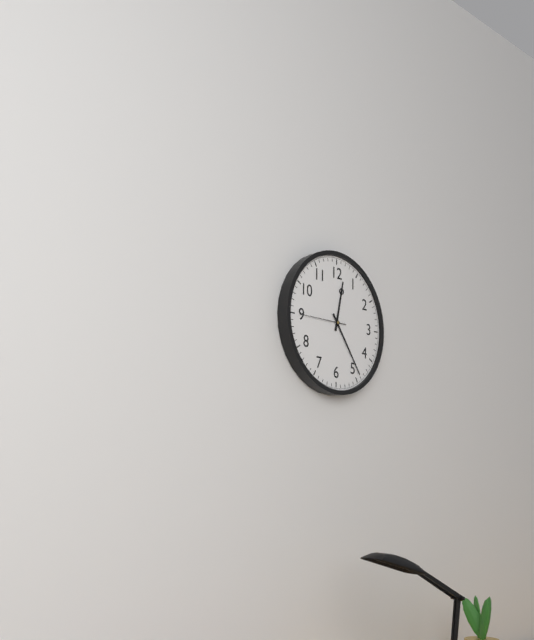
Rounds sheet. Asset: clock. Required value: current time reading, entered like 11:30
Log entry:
12:24
